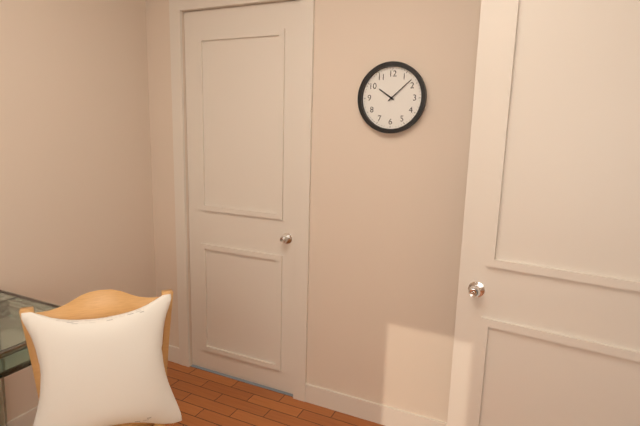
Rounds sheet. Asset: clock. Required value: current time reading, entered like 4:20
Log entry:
10:08
